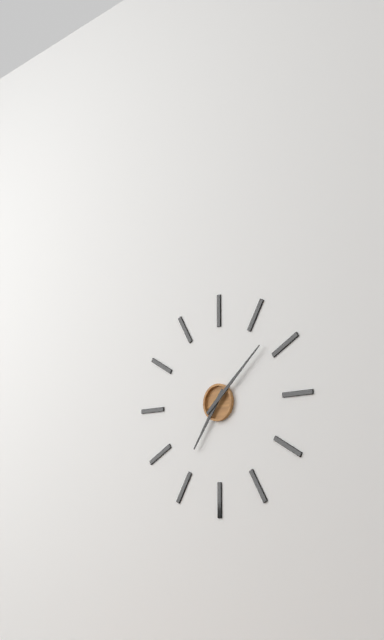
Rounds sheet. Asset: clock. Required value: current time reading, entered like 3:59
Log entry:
7:08
